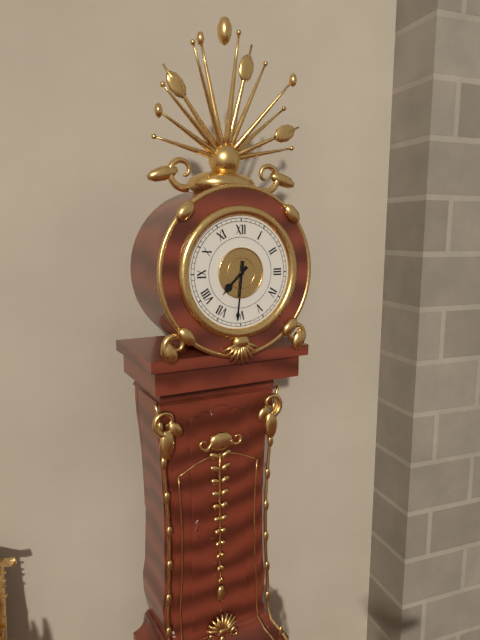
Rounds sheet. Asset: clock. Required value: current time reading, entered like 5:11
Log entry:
7:31
